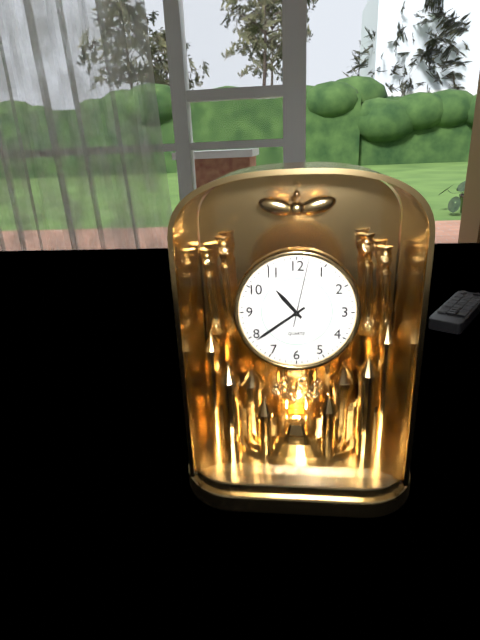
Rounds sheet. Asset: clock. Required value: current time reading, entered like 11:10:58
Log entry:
10:39:02
